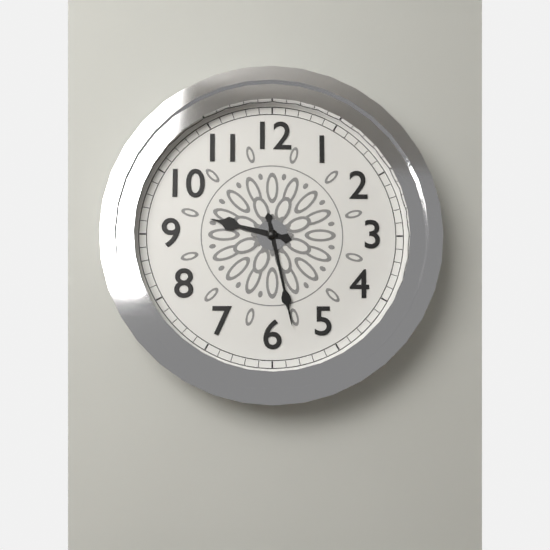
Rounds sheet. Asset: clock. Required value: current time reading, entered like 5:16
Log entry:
9:28
